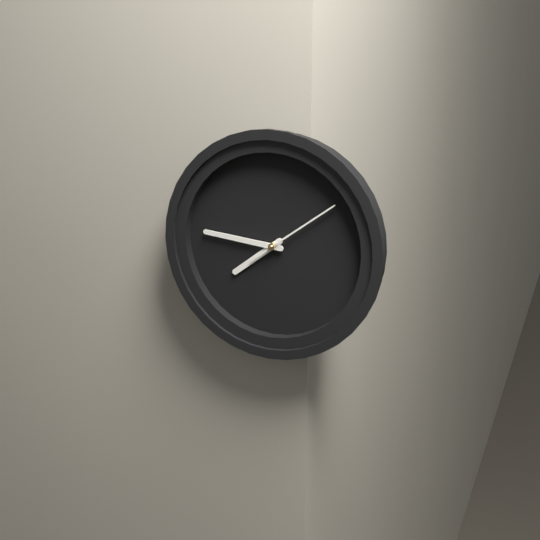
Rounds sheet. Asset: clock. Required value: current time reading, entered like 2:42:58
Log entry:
7:46:09
